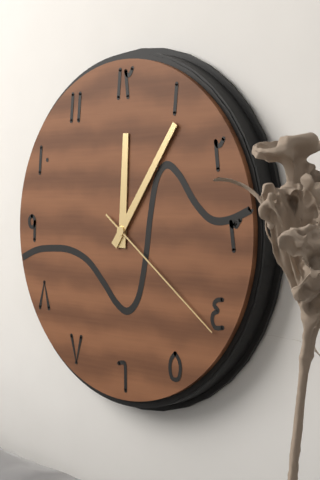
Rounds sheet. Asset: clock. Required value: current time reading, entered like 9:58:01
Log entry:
12:06:21
